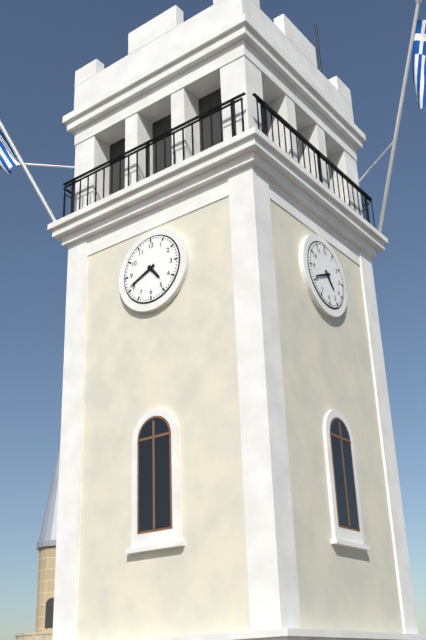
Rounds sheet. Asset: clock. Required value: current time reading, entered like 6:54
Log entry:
4:41
